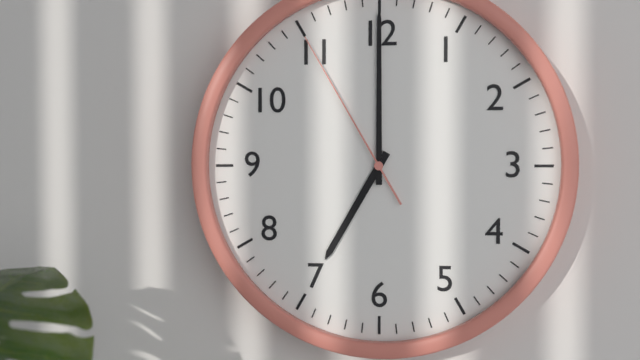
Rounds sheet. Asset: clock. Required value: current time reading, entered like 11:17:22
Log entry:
7:00:55
